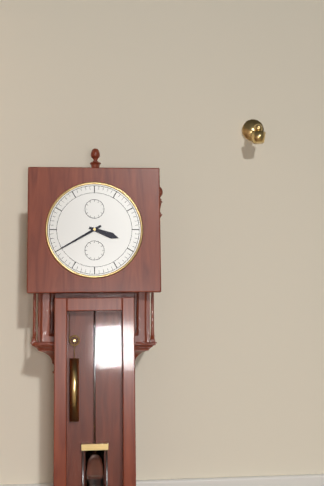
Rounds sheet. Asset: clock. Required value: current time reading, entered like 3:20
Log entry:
3:40
